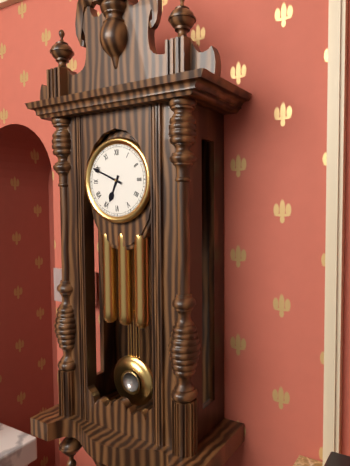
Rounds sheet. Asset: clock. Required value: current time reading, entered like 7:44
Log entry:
6:49
